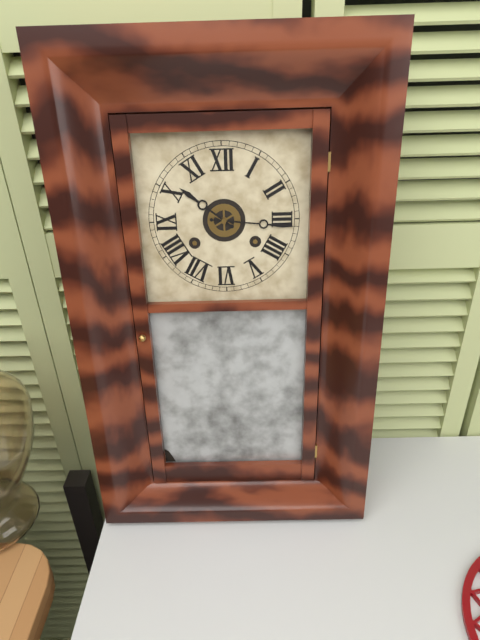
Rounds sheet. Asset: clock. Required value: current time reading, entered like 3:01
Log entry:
10:16
